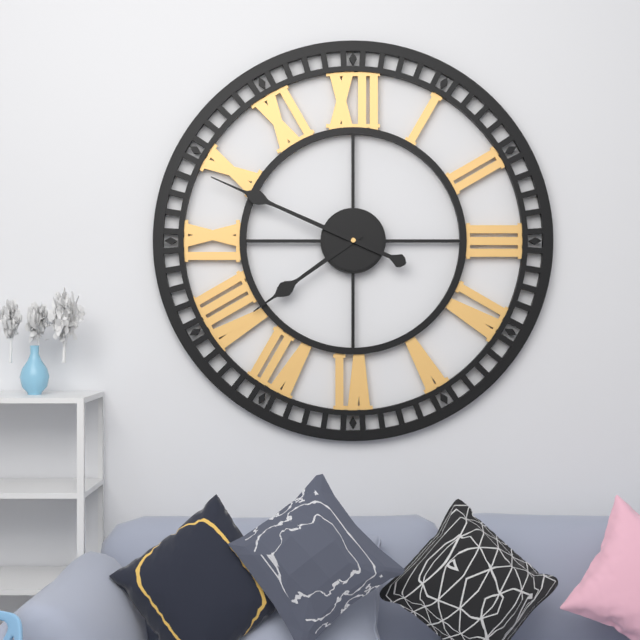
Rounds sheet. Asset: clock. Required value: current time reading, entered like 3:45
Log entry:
7:49
